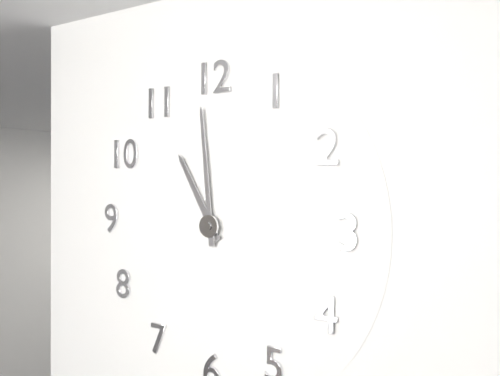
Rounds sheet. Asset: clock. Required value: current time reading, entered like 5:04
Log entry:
10:59
